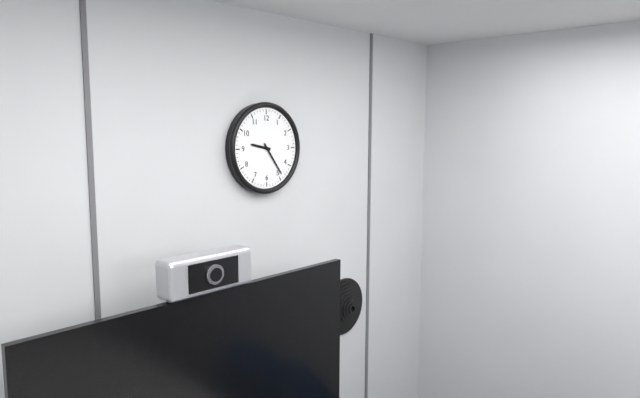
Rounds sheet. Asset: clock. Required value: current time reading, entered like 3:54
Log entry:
9:24
